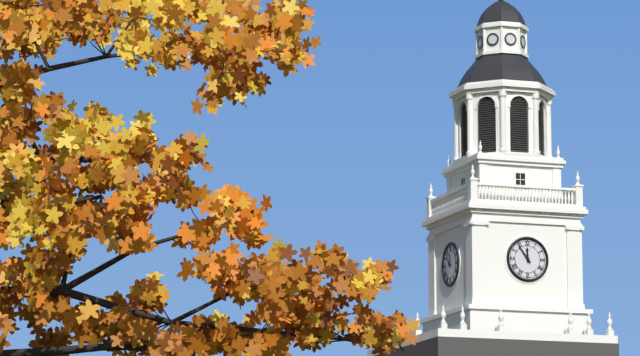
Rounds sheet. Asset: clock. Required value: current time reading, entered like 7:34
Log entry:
11:54
